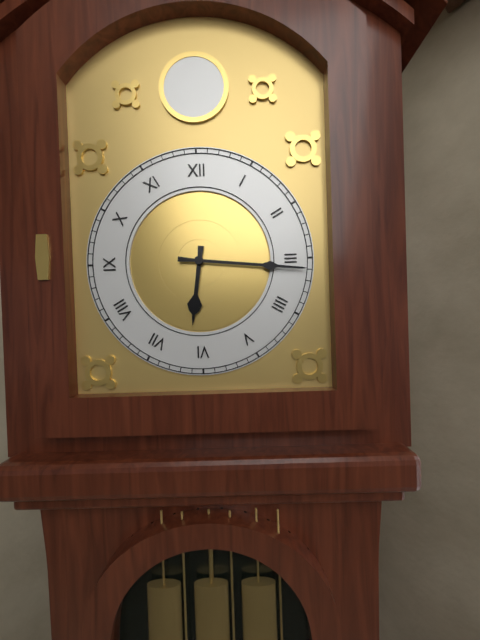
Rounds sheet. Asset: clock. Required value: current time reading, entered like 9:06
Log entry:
6:16
